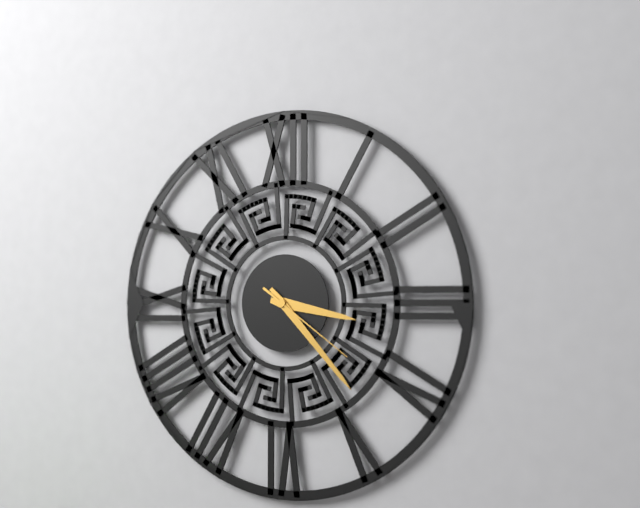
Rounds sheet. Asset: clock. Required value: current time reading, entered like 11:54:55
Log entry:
3:23:21
